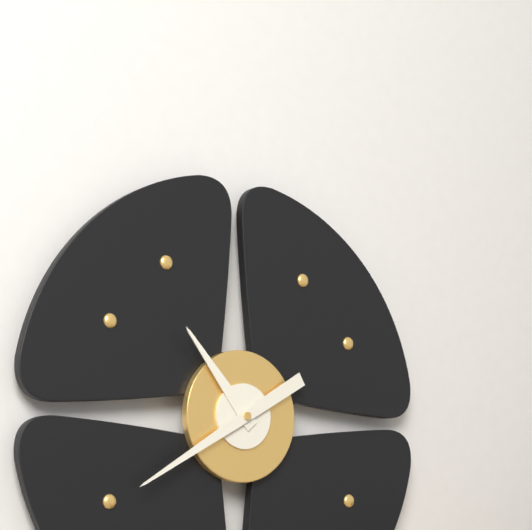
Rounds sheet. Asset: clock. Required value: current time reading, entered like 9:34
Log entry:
10:40
